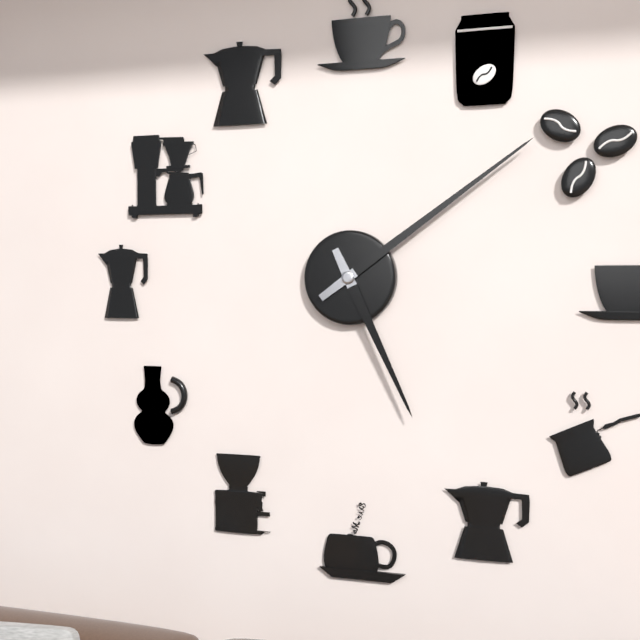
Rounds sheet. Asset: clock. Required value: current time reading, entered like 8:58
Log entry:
5:09
